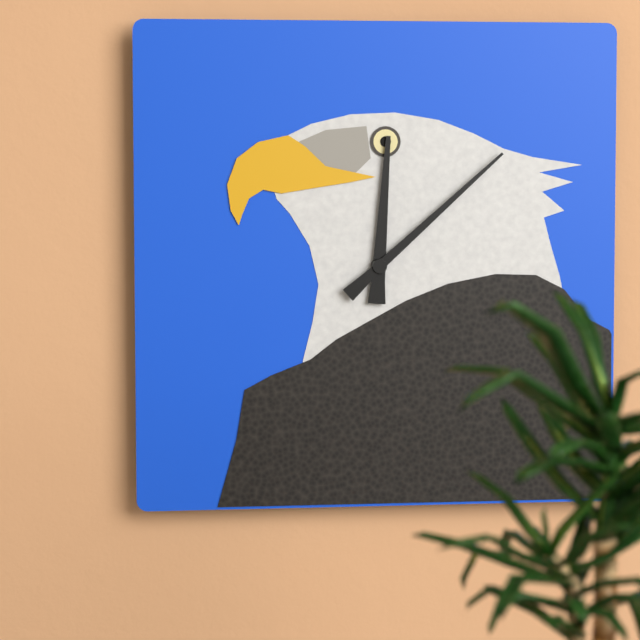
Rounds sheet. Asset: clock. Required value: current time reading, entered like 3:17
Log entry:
12:08
